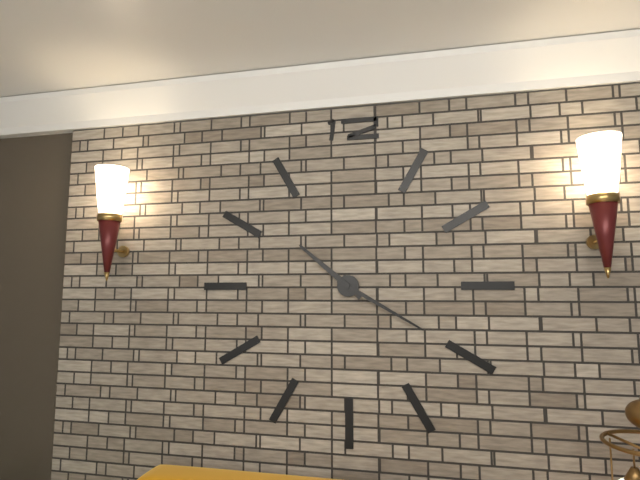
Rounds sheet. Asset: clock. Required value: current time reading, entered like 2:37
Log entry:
10:20
